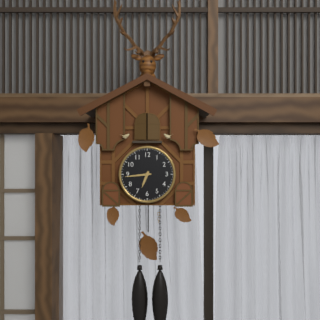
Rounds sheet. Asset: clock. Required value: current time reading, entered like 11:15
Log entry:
6:44
